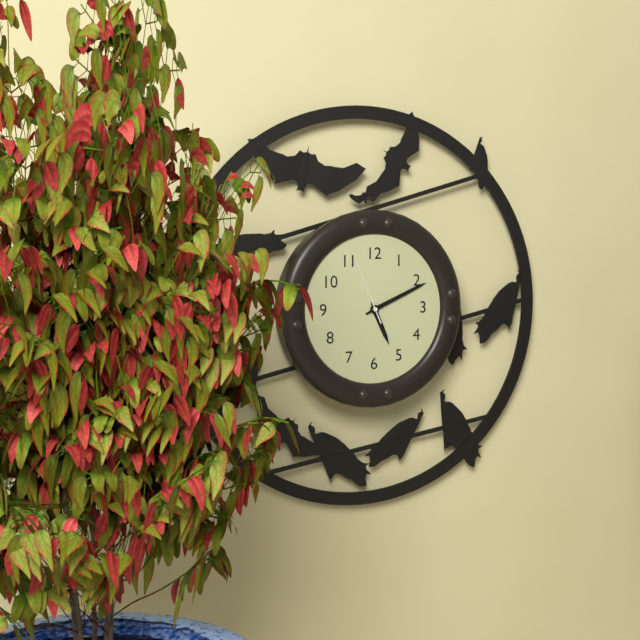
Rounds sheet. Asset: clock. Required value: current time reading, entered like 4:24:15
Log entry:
5:11:56
